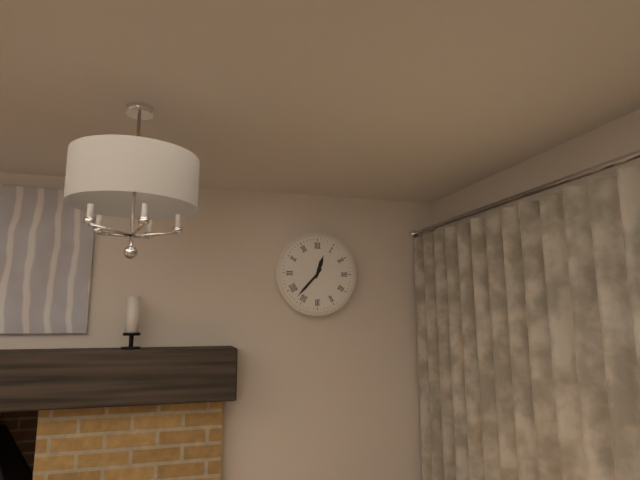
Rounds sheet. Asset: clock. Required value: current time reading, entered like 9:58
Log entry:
12:37
